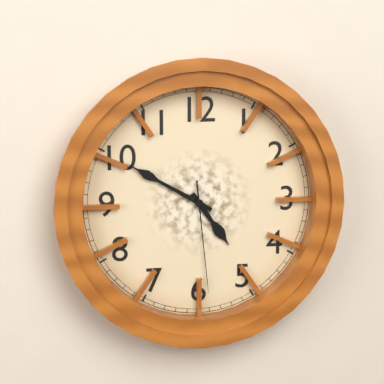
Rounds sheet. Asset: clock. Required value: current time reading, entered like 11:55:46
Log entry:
4:50:29
